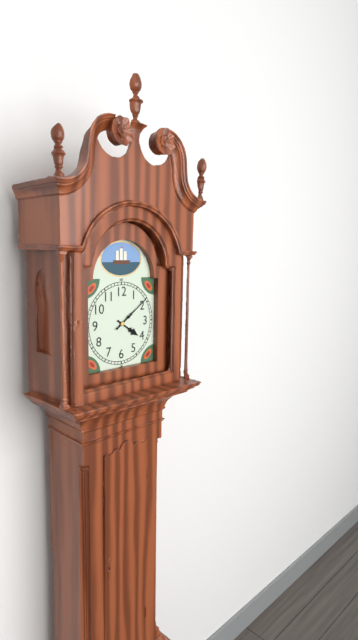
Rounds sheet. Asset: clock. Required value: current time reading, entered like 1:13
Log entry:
4:09
